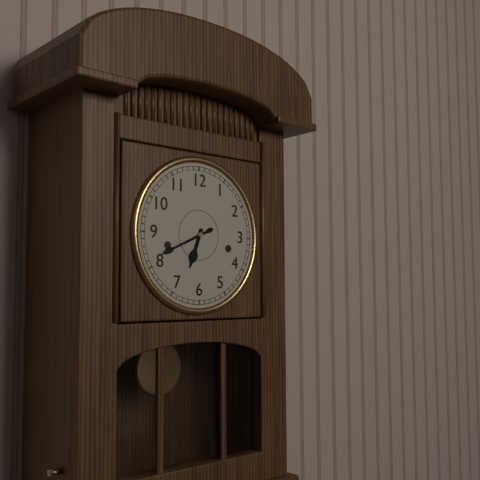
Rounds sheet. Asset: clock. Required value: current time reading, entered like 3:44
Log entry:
6:41
